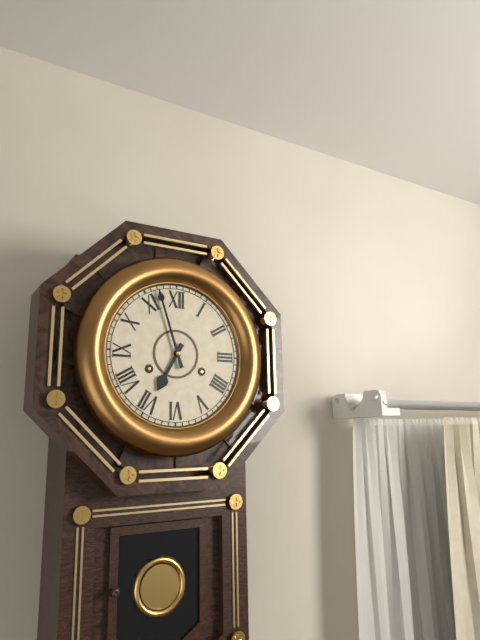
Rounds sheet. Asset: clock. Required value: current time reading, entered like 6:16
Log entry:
6:57
